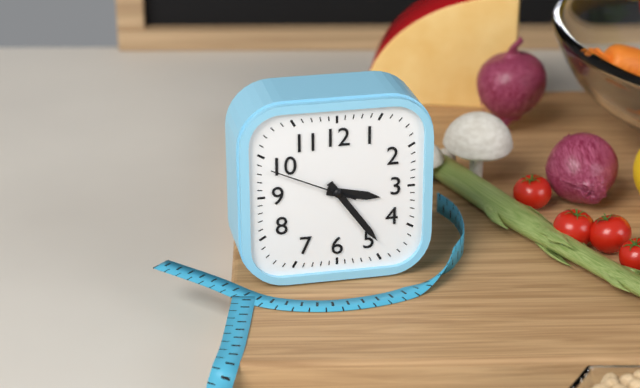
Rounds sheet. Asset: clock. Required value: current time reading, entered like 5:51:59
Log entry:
3:24:49
